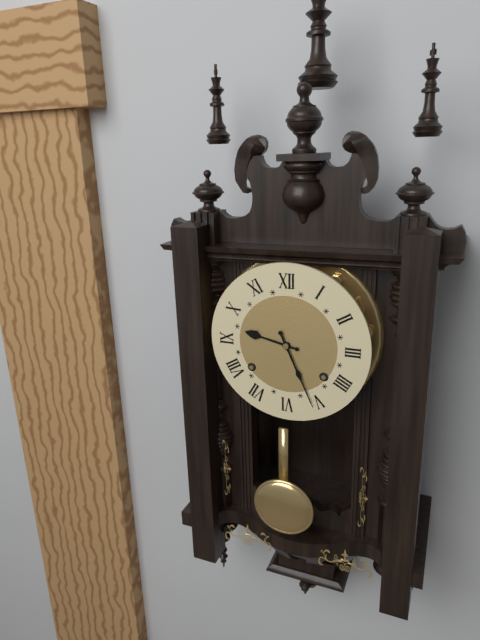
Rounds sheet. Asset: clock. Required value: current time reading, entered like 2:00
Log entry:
9:26
